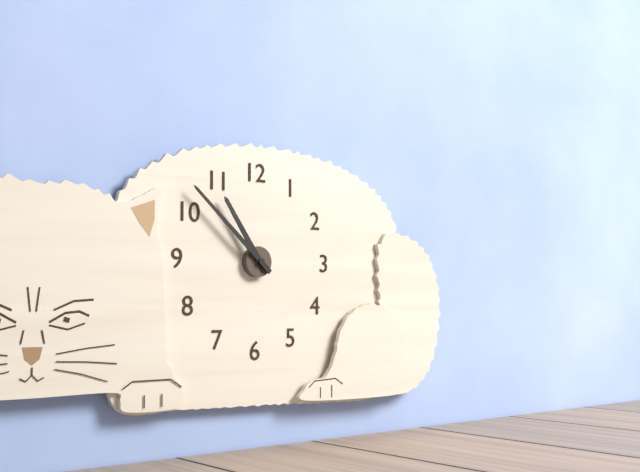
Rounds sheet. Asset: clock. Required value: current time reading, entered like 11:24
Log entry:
10:52
